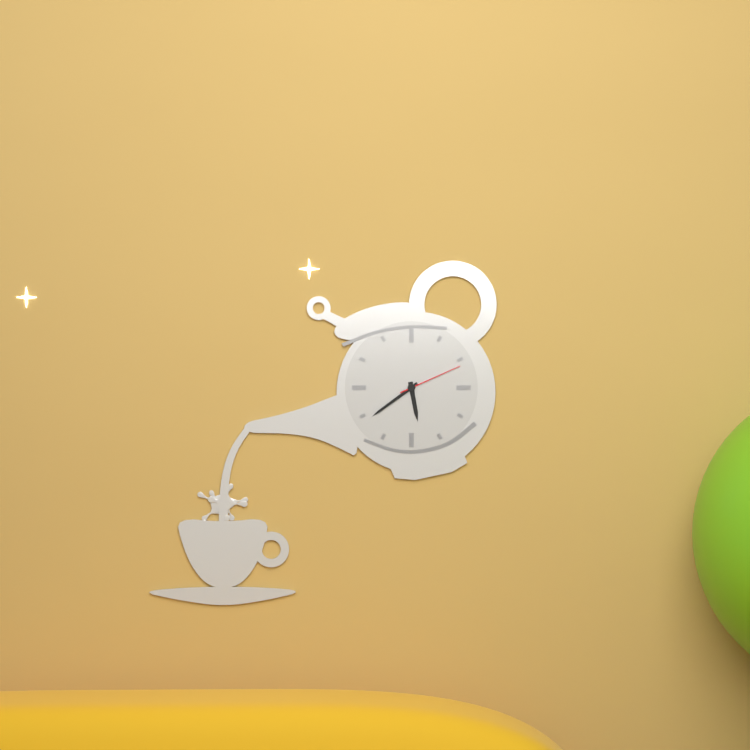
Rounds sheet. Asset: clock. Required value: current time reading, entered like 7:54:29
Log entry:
5:39:11
